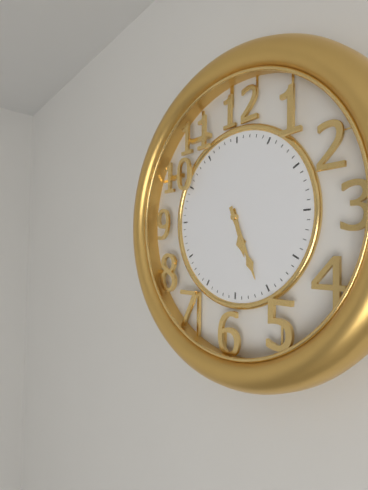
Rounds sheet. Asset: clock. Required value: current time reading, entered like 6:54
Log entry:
5:26
